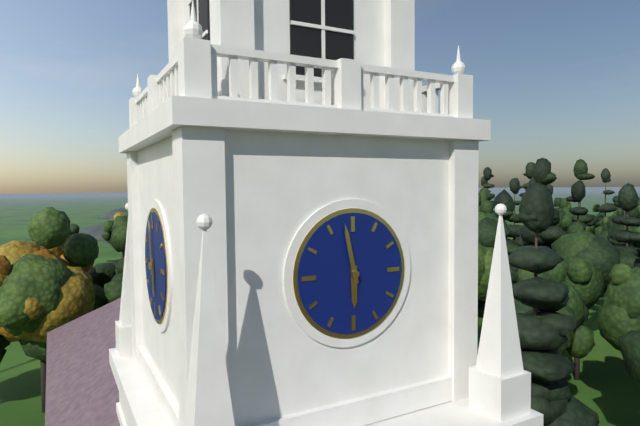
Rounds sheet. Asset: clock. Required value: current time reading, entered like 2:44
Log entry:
5:58
